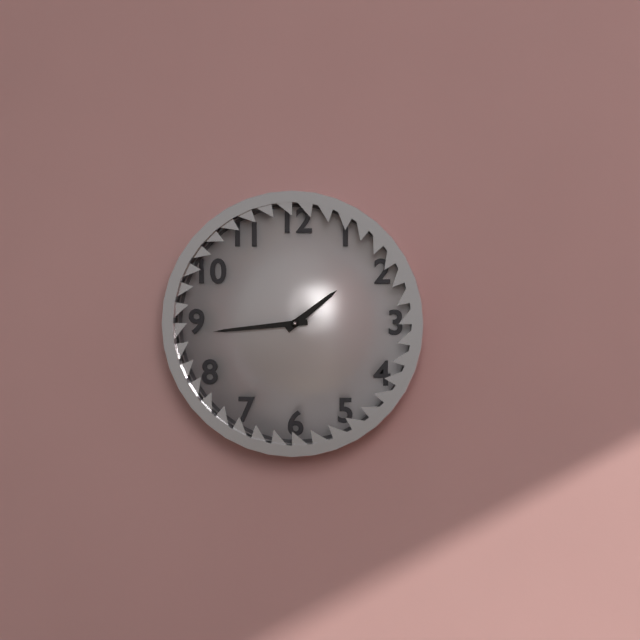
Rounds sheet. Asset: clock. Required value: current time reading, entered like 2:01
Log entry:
1:44
